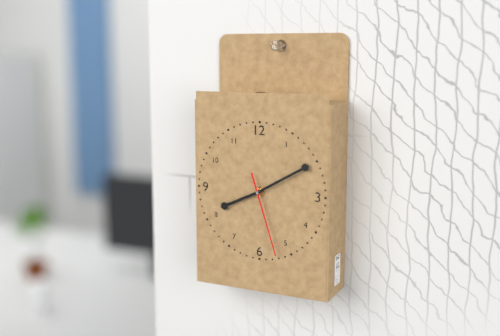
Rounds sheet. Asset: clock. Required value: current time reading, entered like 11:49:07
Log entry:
8:10:27
